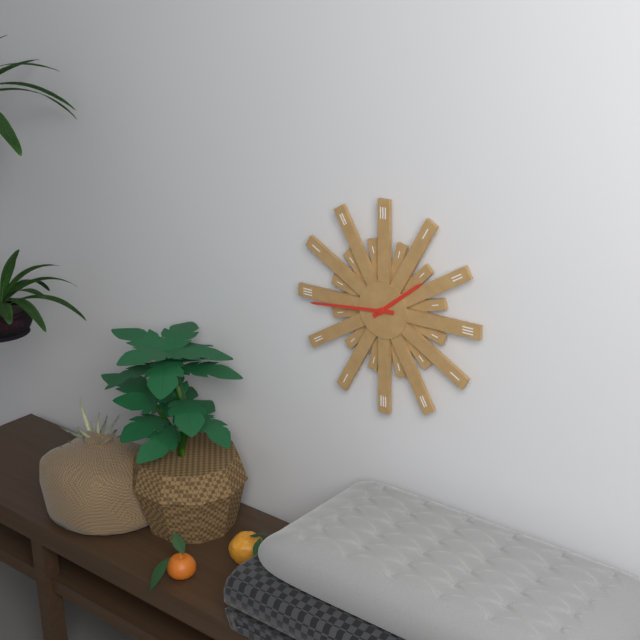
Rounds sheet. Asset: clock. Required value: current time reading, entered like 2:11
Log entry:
1:44
